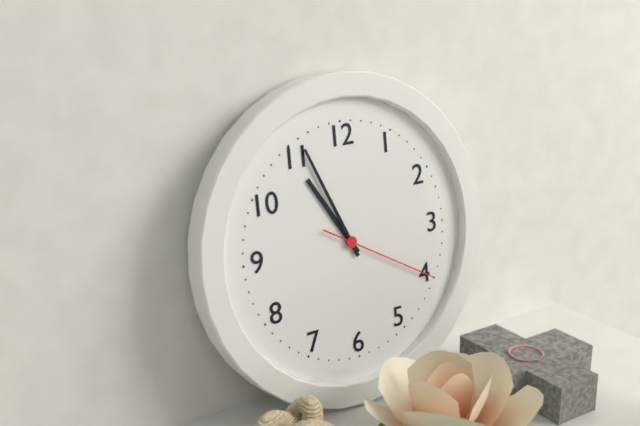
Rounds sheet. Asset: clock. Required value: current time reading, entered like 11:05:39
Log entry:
10:56:20
